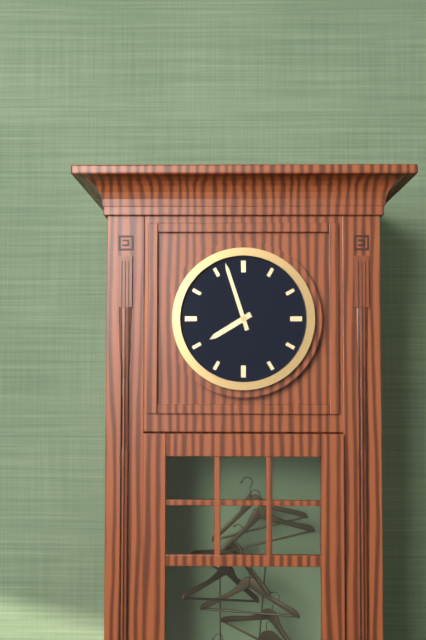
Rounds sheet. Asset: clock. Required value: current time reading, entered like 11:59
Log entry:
7:57
